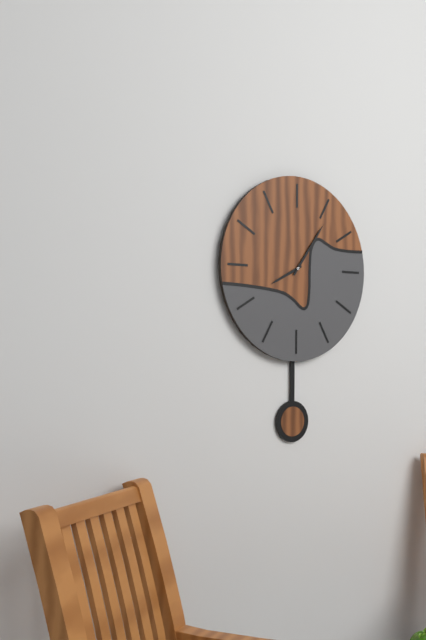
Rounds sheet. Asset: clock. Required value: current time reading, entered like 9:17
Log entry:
8:06
